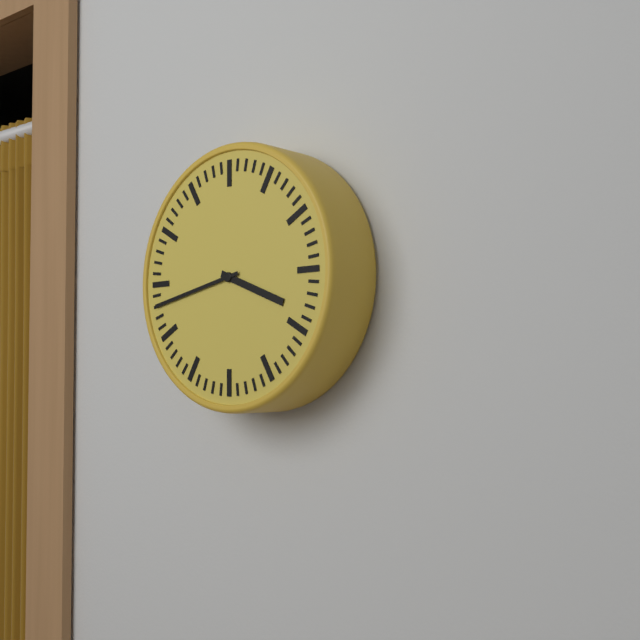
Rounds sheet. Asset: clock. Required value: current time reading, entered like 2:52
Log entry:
3:43
